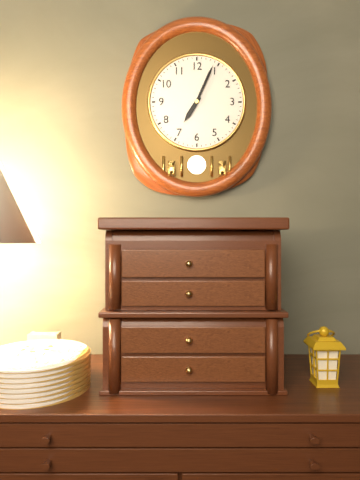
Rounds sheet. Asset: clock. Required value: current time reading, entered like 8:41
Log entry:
7:04
